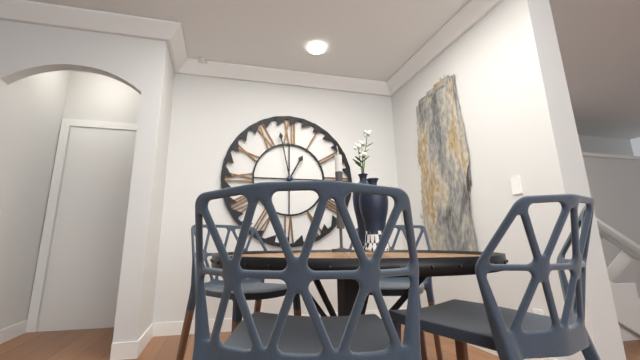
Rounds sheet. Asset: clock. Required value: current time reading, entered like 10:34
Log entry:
12:58
